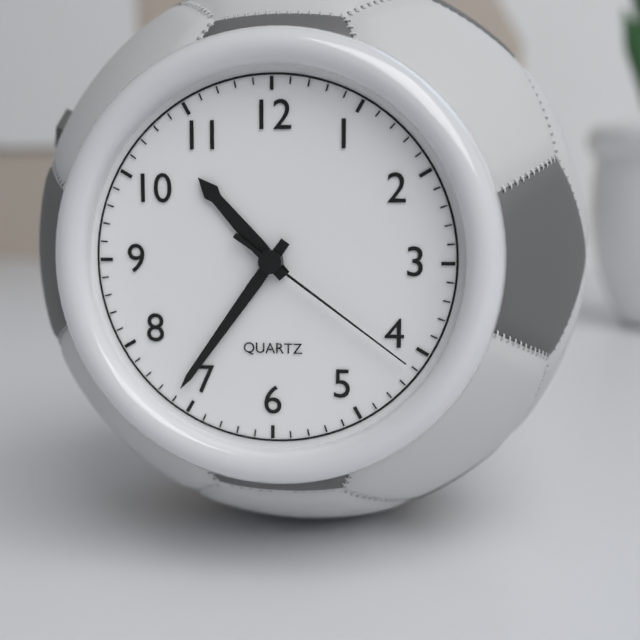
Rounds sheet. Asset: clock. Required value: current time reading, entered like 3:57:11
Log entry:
10:36:21
